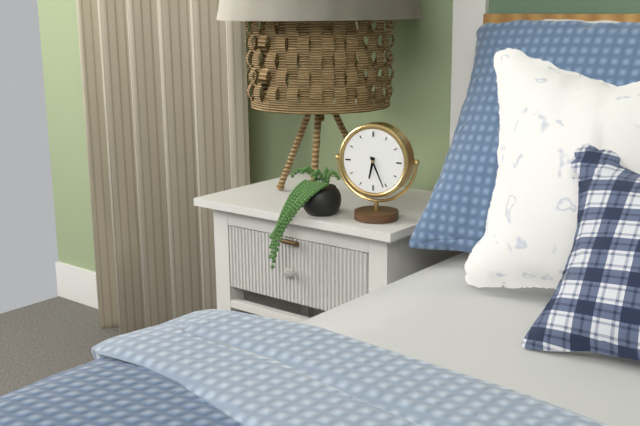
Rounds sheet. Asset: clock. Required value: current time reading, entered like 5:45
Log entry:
6:26
